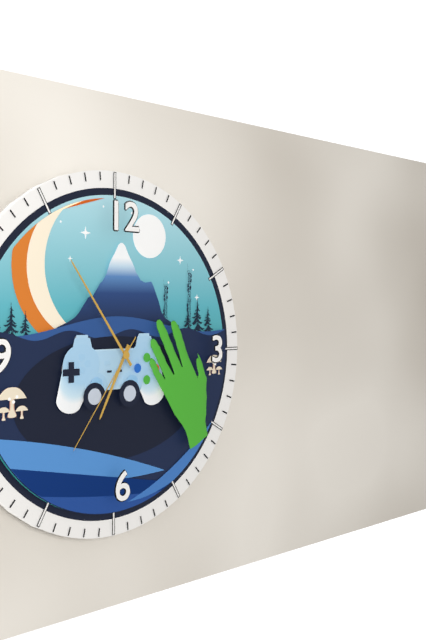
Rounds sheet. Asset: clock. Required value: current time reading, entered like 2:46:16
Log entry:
6:54:36
